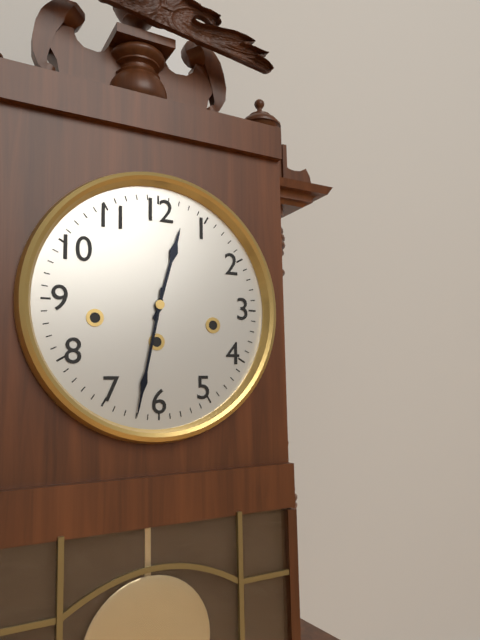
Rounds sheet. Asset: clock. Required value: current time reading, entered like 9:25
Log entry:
12:32
